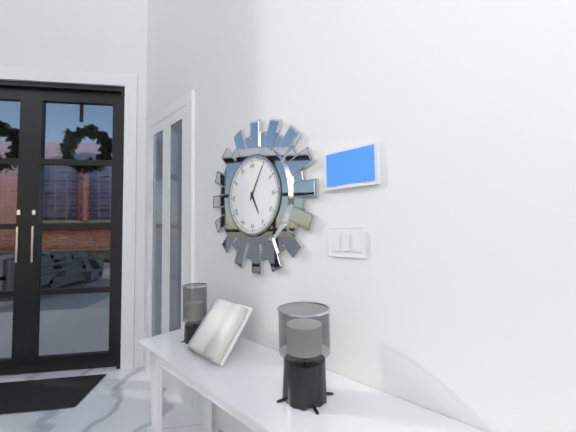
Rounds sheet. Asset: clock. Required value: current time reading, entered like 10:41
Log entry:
5:05
